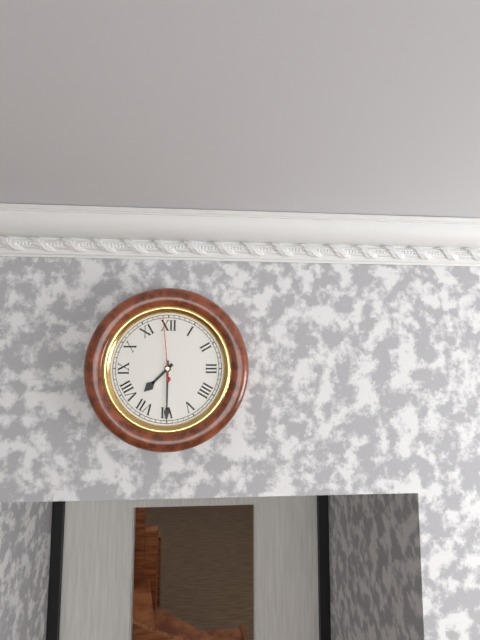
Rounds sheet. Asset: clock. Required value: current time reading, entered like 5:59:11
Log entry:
7:30:59
